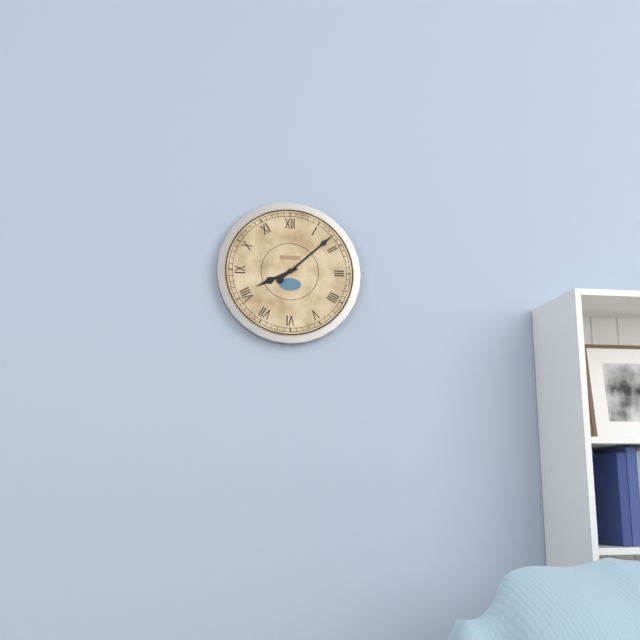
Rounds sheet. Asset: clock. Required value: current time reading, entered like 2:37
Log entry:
8:08
